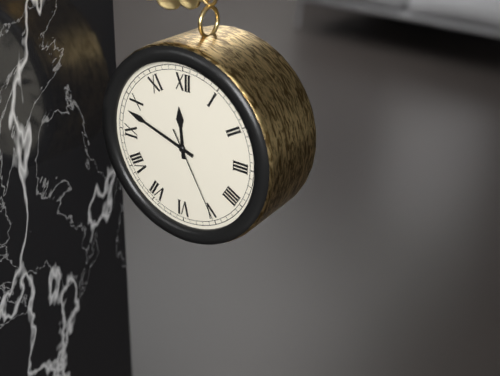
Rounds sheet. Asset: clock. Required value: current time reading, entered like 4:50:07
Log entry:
11:48:25
